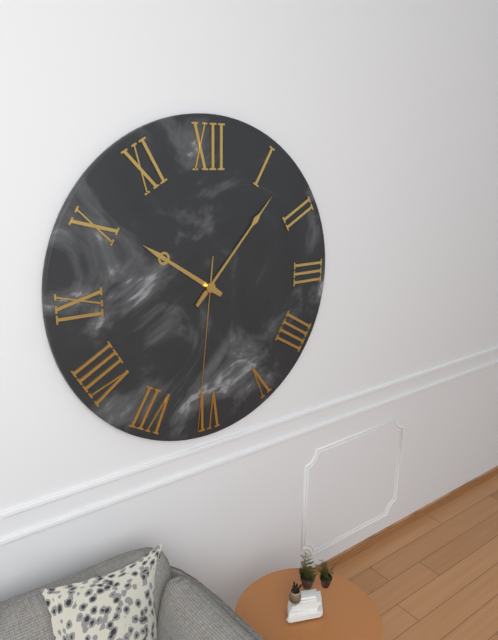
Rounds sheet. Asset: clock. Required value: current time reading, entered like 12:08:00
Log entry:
10:07:31
